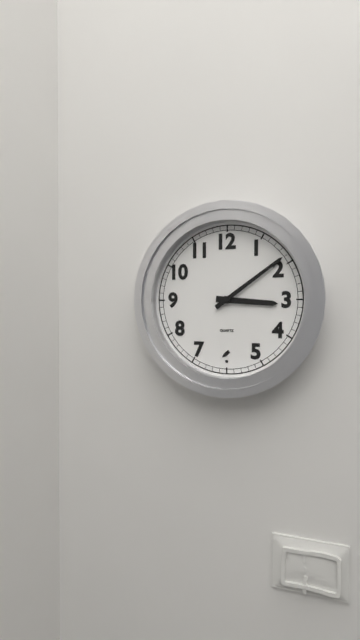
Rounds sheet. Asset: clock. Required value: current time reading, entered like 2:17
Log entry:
3:09
